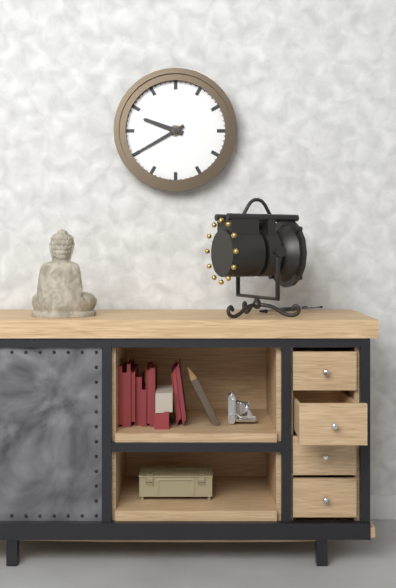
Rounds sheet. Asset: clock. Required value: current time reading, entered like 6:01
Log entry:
9:40
